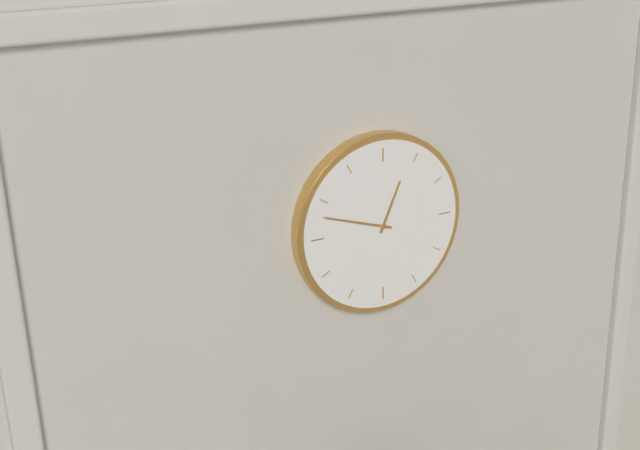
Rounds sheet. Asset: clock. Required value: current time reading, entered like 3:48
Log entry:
12:48
